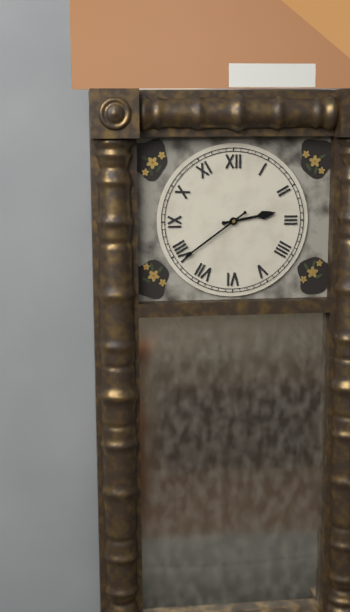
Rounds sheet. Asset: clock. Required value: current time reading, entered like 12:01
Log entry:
2:39
